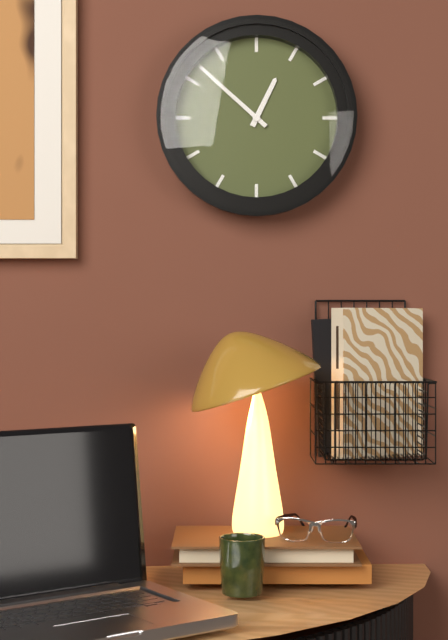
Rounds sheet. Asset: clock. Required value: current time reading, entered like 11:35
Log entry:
12:52
